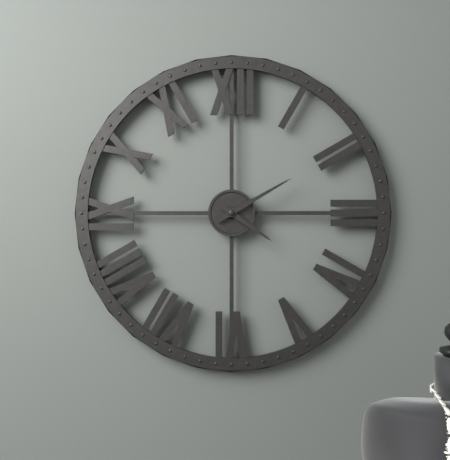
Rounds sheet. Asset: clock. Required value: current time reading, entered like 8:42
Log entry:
4:10
